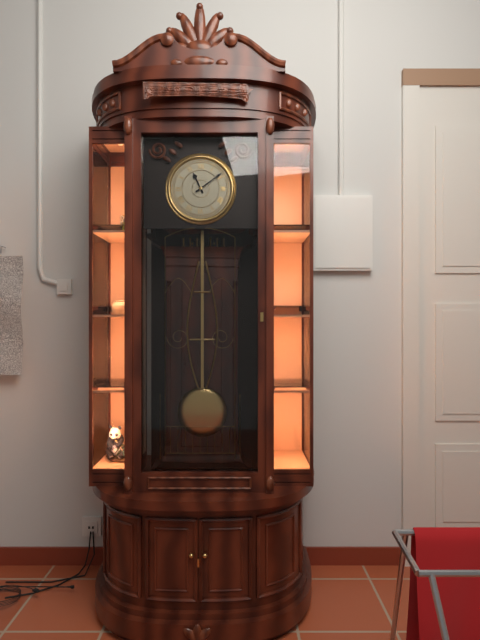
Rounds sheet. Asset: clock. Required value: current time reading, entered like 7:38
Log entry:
11:09
